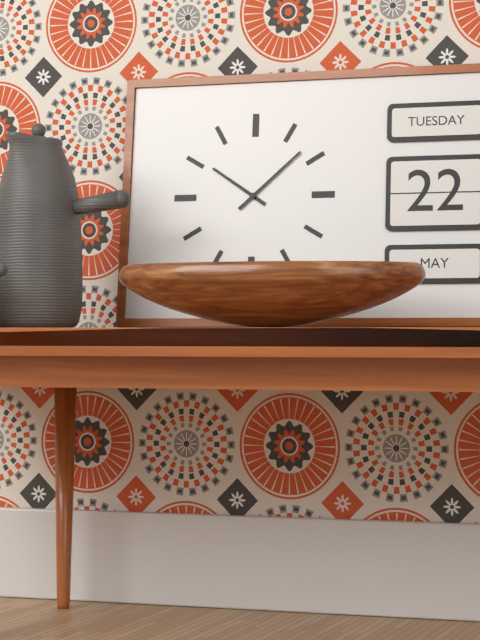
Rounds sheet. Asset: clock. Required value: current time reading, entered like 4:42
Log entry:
10:08
